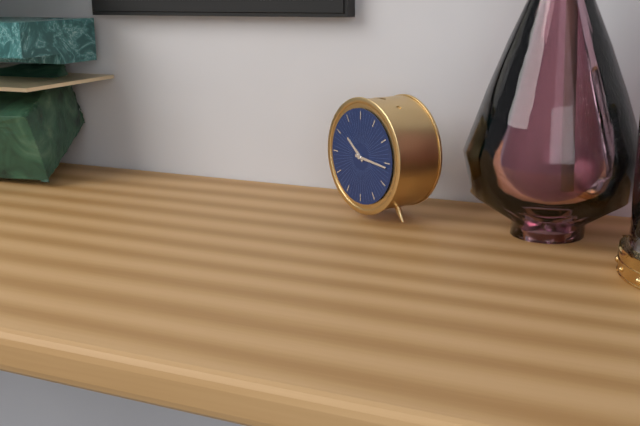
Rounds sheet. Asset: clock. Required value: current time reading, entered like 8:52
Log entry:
10:16
